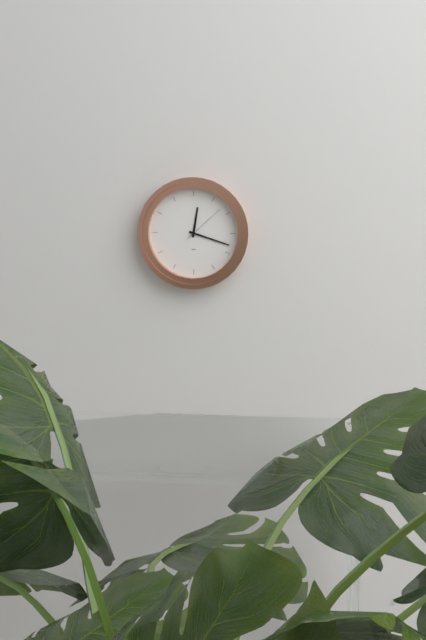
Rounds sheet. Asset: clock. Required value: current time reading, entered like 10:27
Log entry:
12:18
